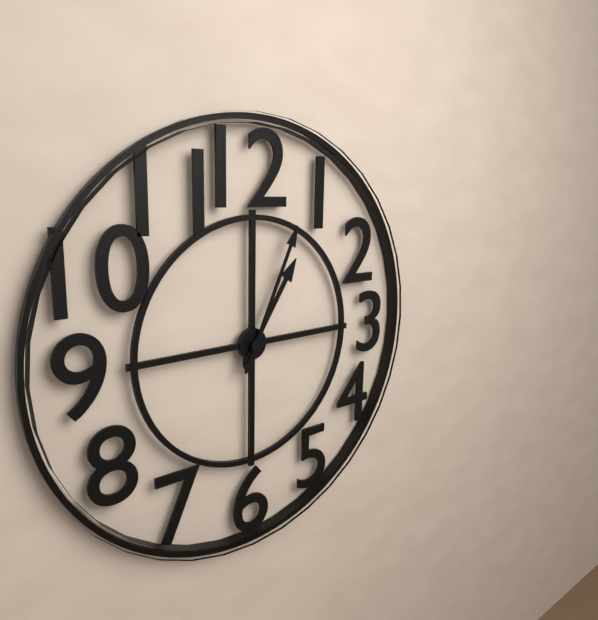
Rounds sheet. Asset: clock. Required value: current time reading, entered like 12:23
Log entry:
1:04
